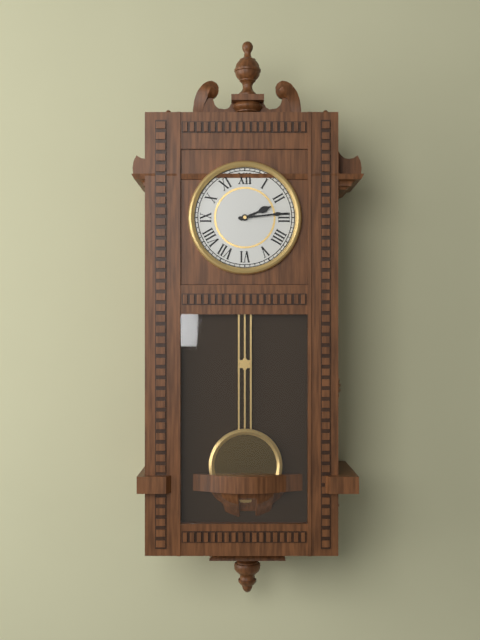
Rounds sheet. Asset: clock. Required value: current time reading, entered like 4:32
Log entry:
2:14
